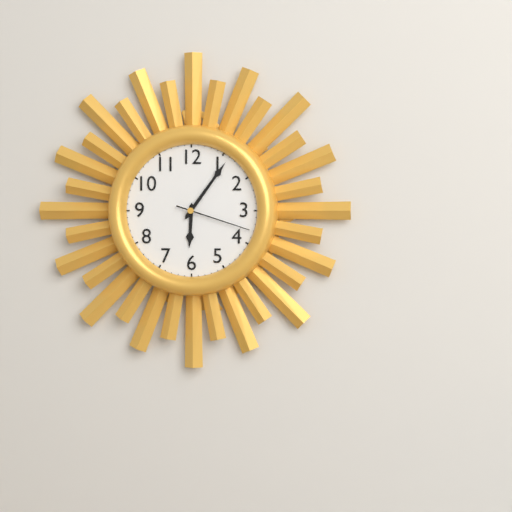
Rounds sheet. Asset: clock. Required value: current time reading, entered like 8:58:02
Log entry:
6:06:18
